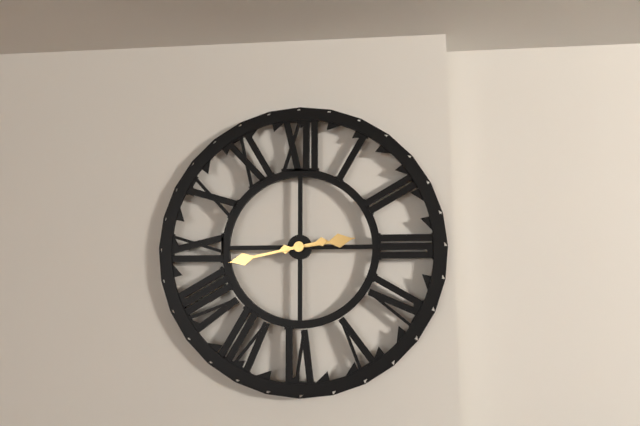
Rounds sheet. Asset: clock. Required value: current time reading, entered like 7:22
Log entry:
2:43
